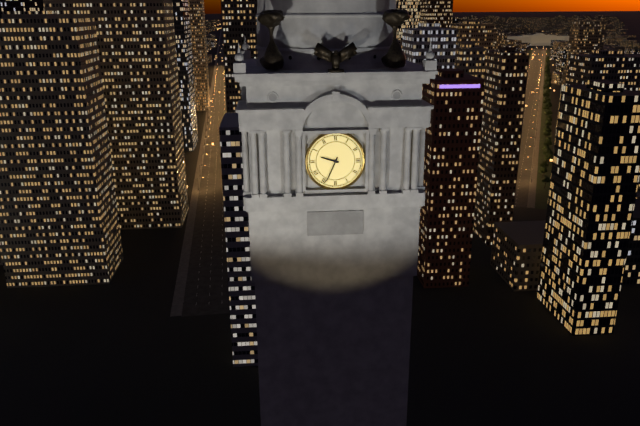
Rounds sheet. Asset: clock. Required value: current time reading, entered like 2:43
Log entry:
9:34
